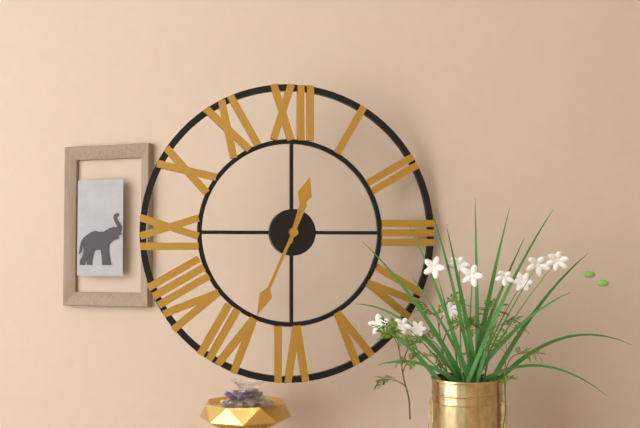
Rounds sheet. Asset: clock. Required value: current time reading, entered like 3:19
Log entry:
12:34
